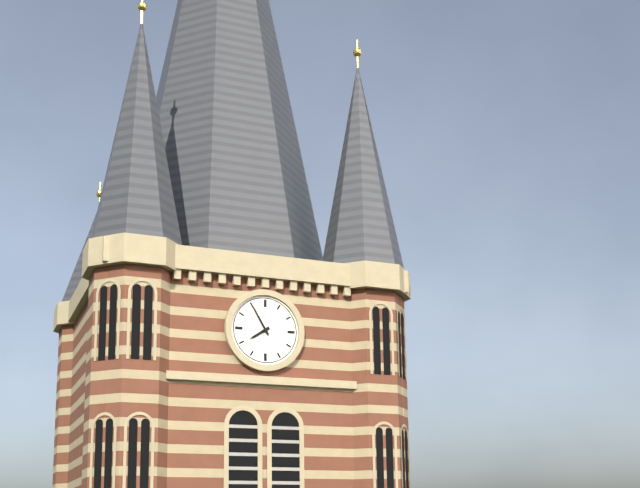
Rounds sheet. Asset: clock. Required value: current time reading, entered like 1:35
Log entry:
7:55
